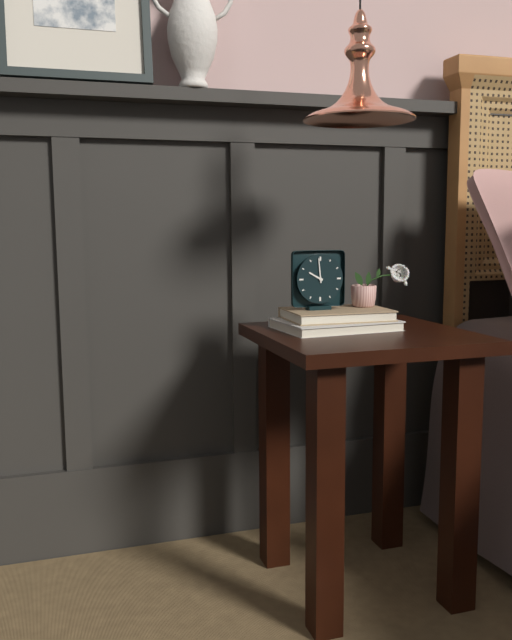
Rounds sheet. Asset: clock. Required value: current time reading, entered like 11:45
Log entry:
9:59
